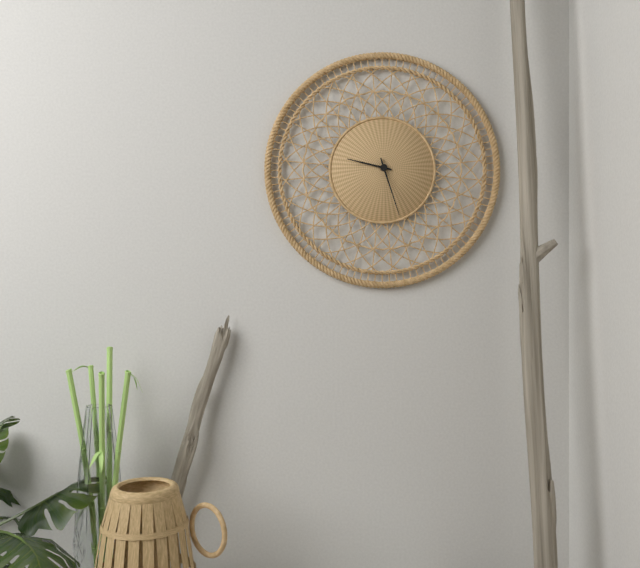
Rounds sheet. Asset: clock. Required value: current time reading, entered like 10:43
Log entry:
9:27
